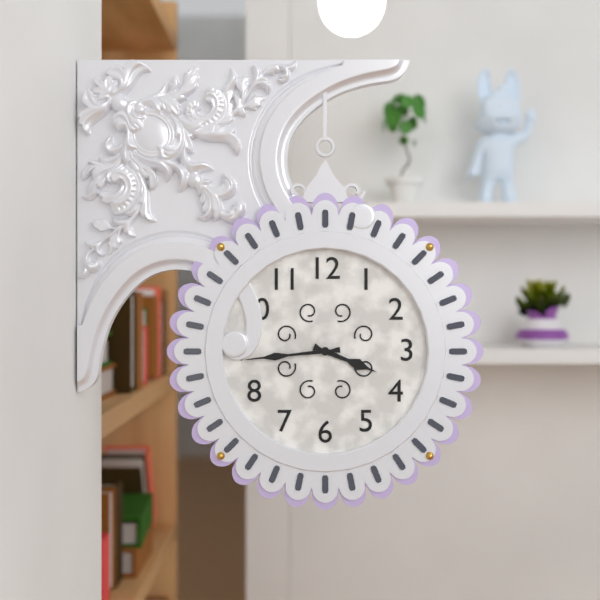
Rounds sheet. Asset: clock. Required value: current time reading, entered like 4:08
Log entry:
3:44
